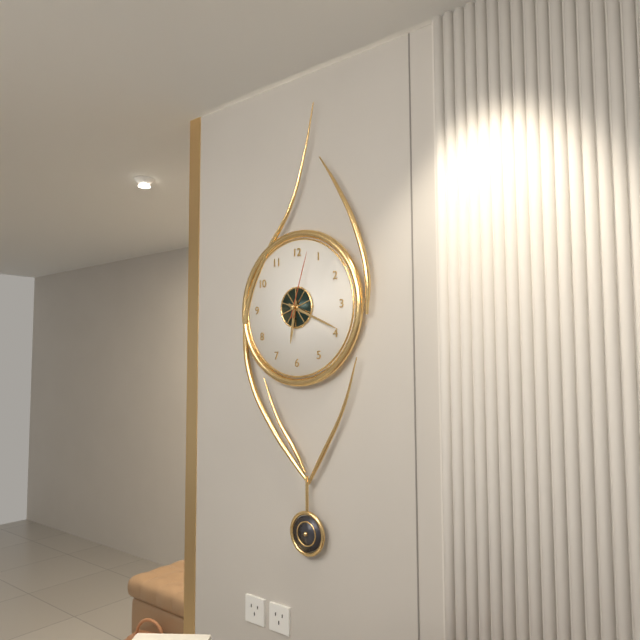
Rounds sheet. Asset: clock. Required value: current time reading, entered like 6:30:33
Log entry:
6:19:03
